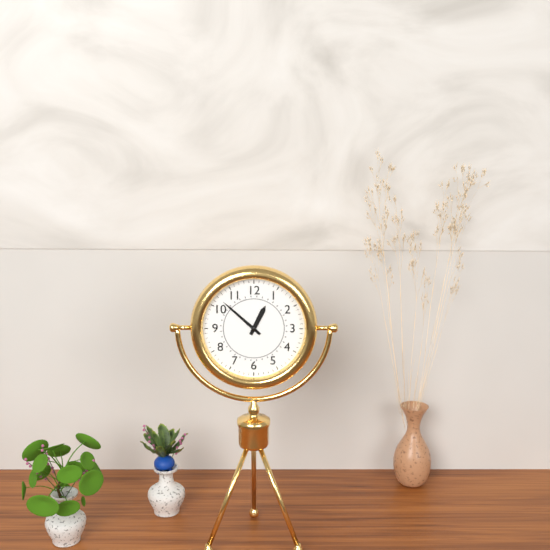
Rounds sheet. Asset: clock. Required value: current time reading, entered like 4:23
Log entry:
12:52
